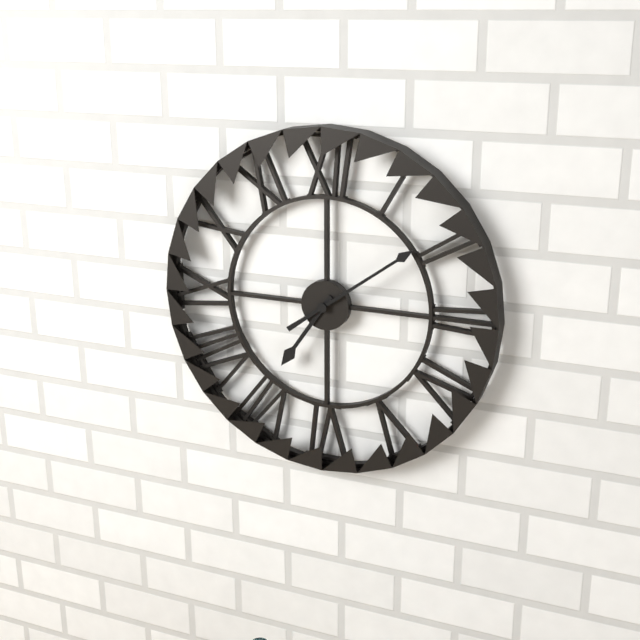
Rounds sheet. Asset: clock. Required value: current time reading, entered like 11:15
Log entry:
7:09
